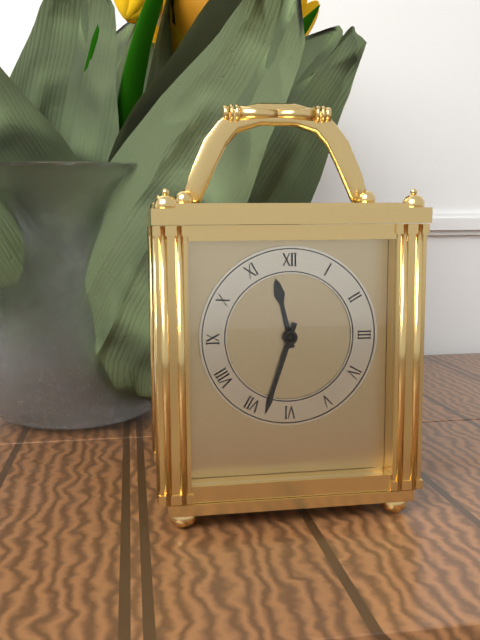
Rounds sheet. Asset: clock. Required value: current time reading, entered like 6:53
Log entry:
11:33
